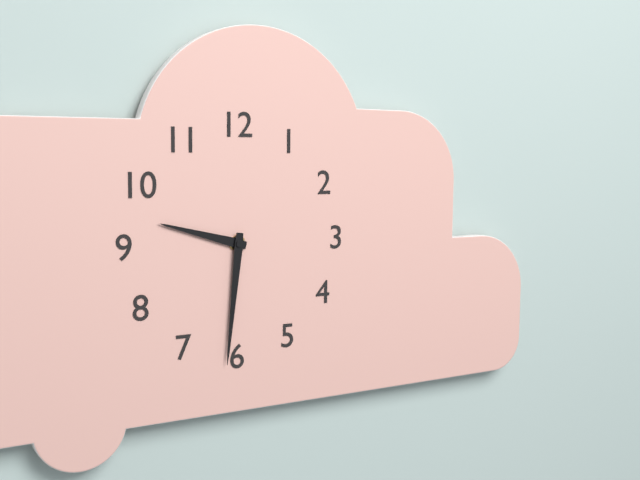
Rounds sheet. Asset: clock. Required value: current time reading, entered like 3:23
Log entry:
9:31
